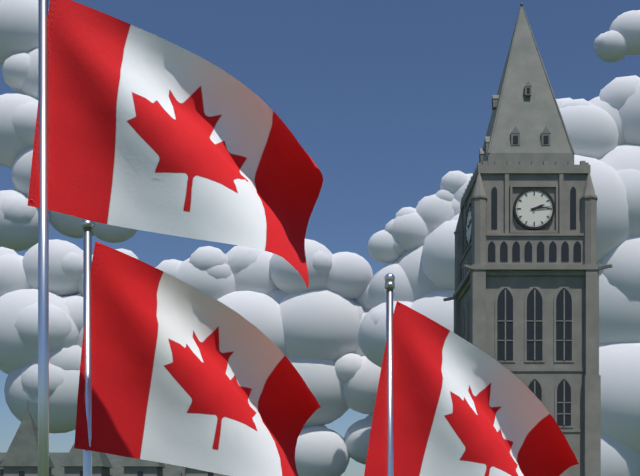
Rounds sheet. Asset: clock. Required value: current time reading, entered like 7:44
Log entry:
2:14
